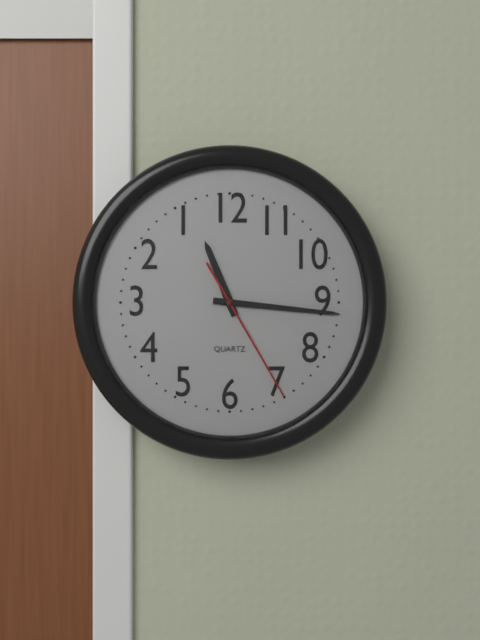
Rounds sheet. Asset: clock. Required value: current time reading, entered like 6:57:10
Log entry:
11:16:25
